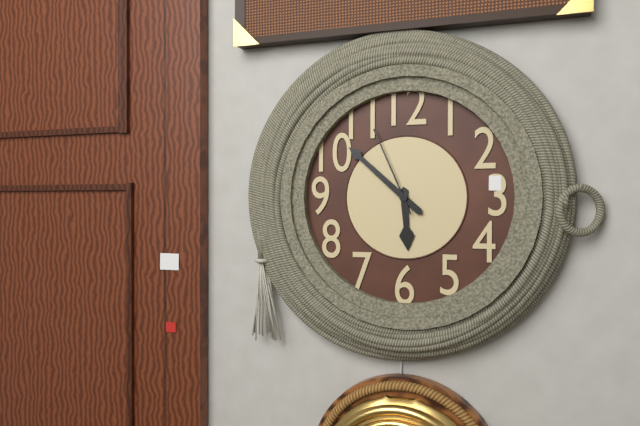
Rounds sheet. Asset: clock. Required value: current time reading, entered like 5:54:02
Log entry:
5:52:56
